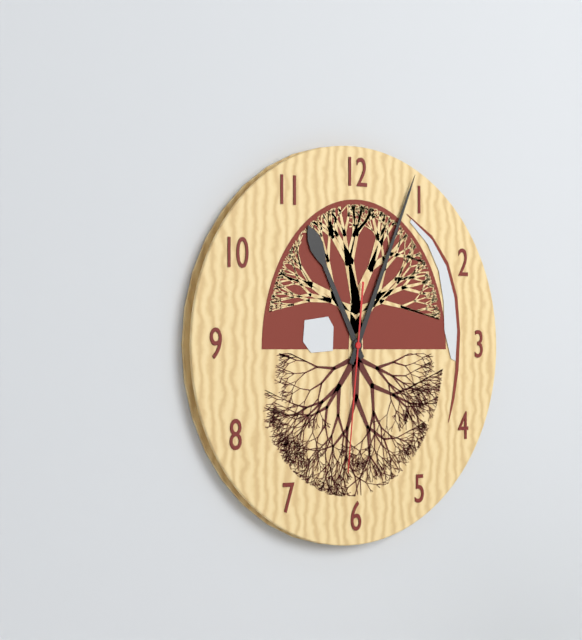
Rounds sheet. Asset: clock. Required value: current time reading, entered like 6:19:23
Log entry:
11:04:31
